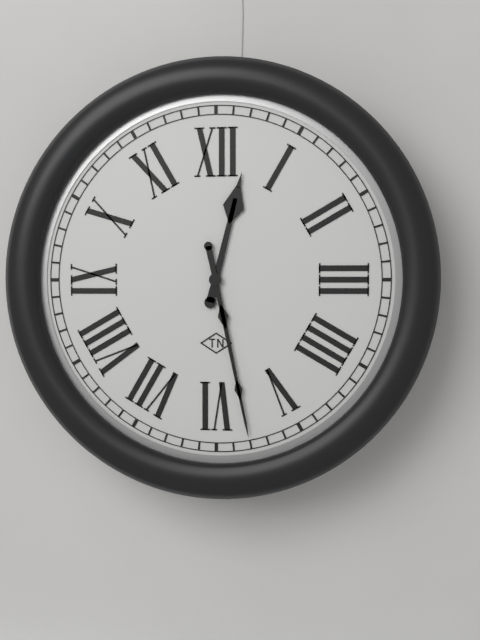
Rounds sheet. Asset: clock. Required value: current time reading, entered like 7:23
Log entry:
12:28
